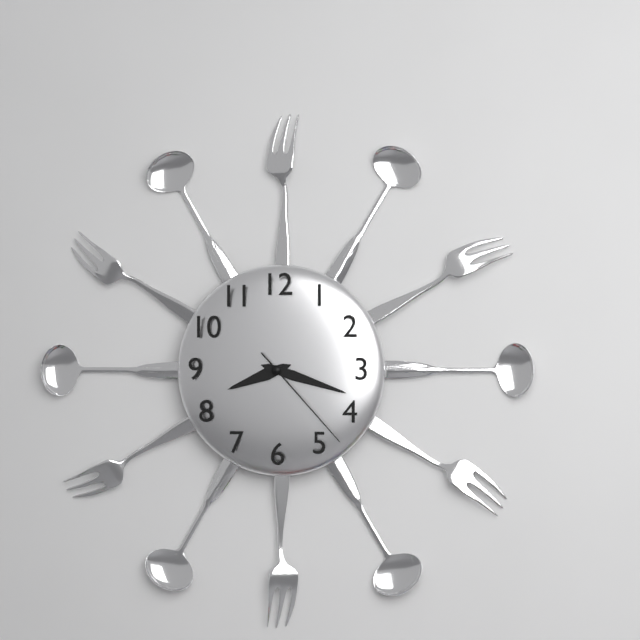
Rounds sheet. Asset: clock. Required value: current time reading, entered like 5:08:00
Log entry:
8:18:23
